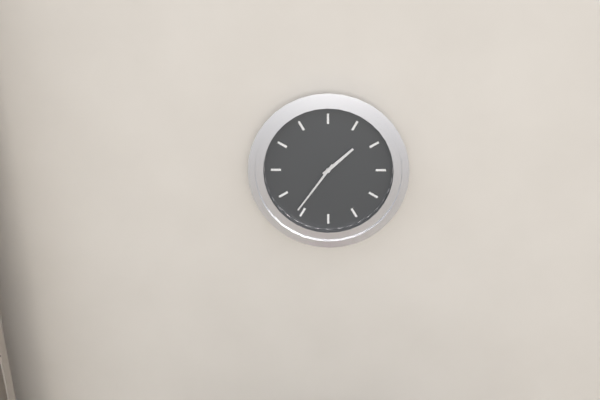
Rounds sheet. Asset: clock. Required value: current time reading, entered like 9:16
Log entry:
1:36
